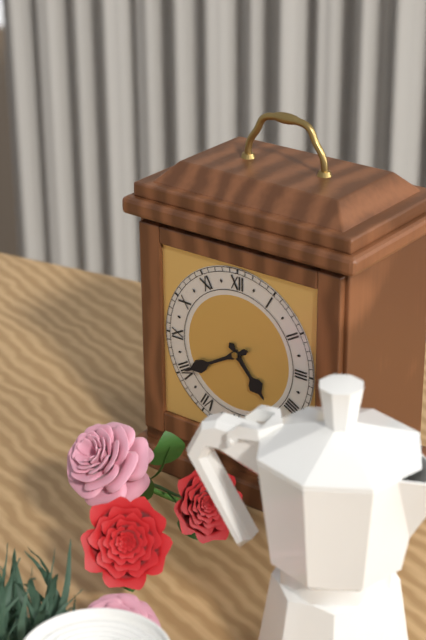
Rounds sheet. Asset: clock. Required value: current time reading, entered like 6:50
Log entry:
4:40
